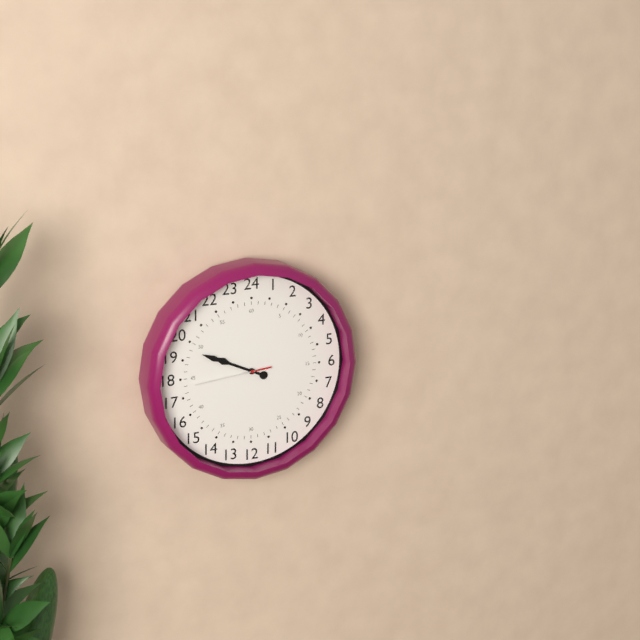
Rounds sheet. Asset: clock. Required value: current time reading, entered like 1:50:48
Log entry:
9:49:44
